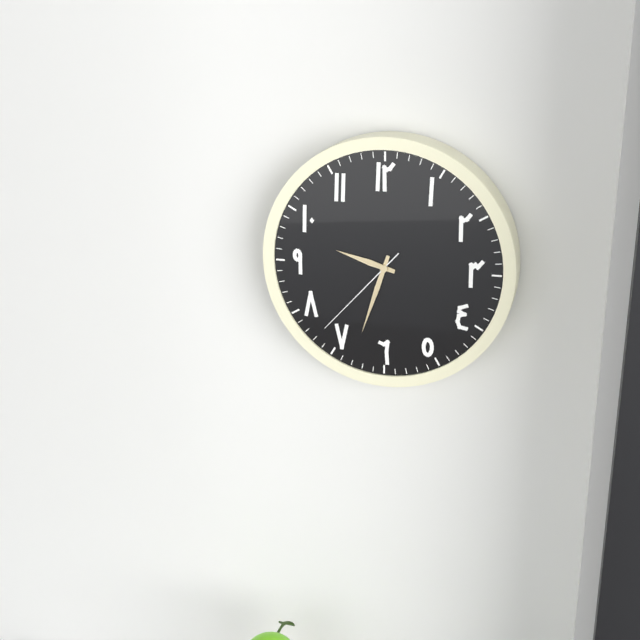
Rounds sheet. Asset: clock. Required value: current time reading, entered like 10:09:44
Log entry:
9:33:37
